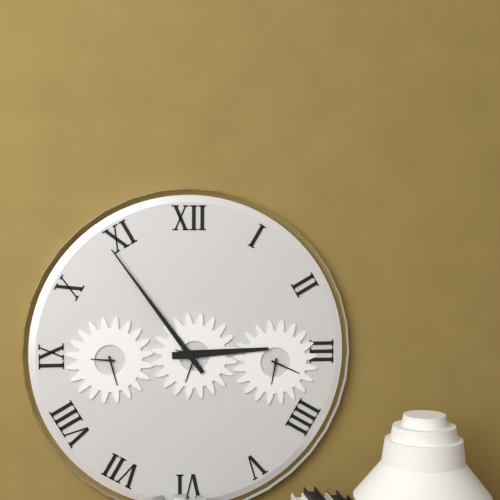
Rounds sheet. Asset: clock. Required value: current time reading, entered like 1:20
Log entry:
2:54
